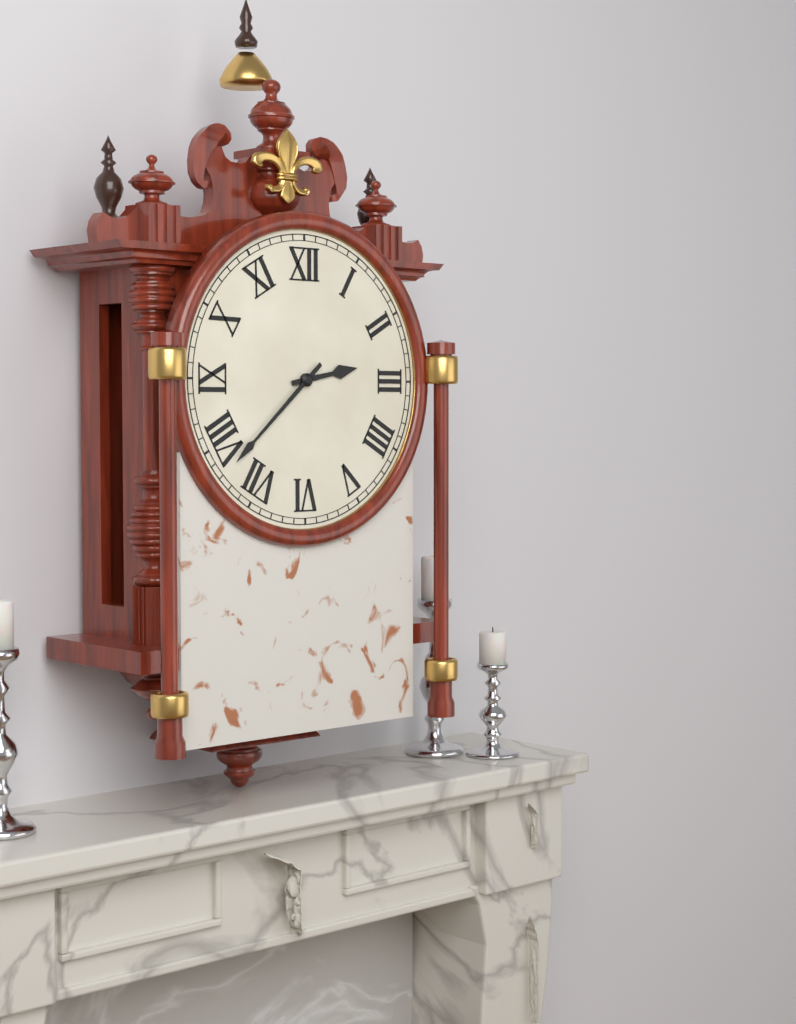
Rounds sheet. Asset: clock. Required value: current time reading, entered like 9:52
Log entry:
2:38
